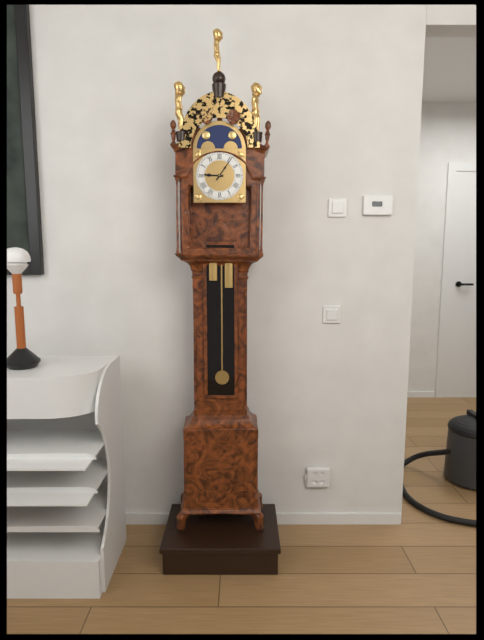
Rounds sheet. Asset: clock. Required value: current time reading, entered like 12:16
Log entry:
9:06
